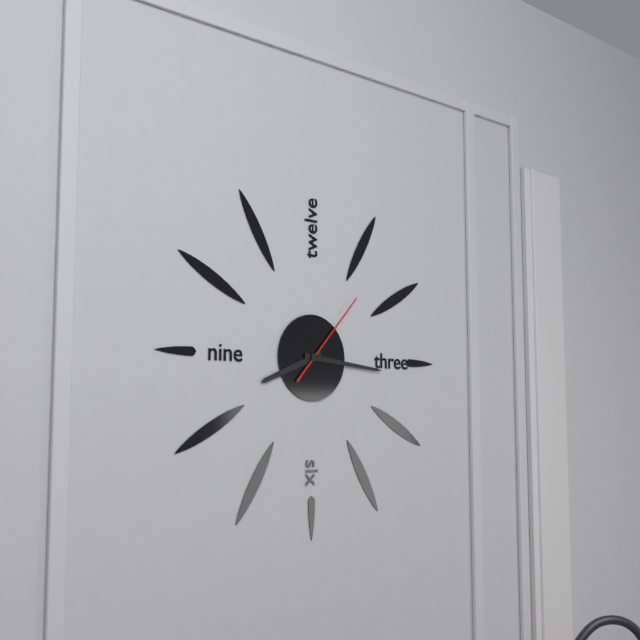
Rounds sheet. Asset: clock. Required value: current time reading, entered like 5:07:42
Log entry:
8:16:07
